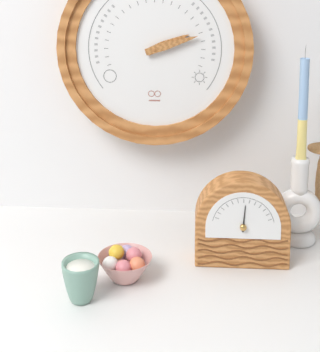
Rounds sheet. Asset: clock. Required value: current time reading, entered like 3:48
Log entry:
2:12
